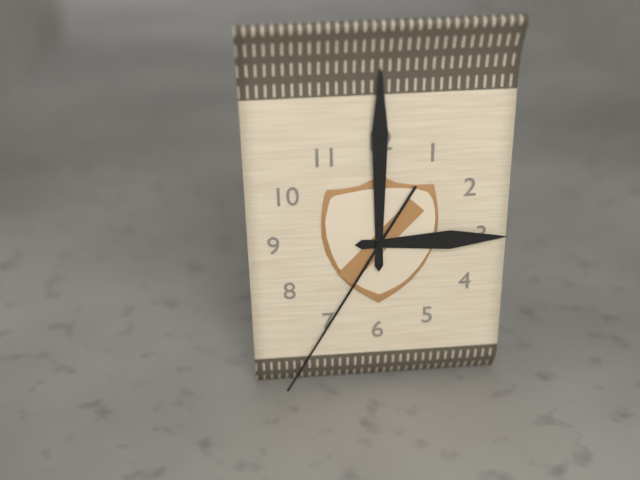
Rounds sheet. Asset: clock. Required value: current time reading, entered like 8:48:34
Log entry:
3:00:35
